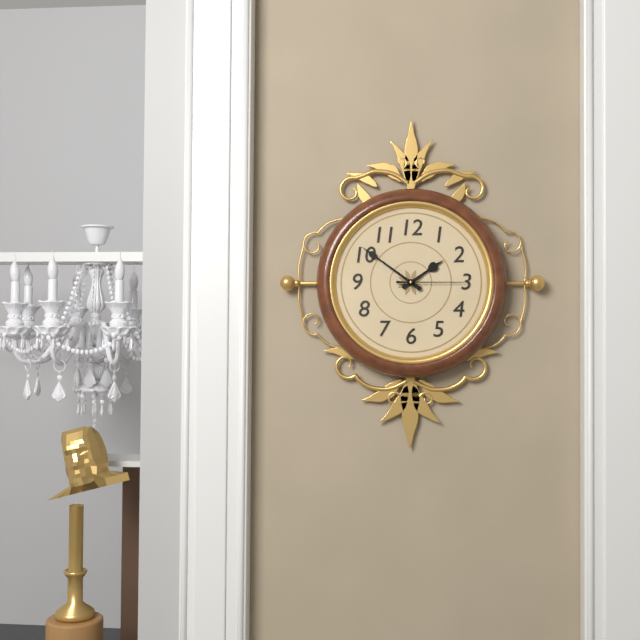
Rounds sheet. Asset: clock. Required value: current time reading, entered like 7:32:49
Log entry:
1:51:15
